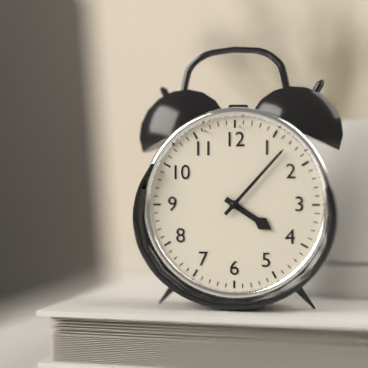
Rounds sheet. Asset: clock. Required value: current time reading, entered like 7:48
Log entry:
4:07
